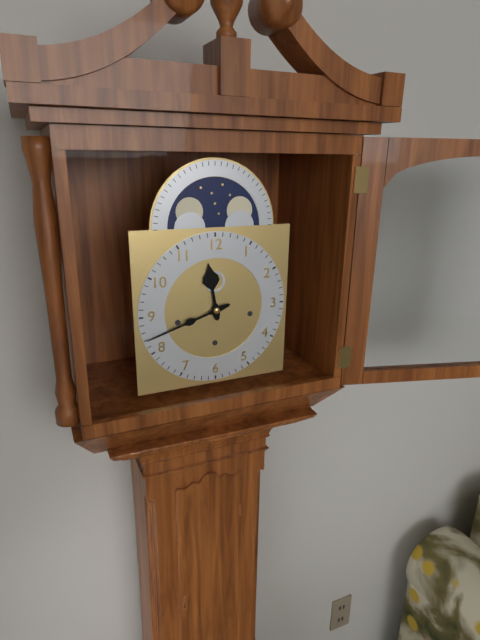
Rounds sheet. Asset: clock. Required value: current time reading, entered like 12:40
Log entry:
11:42
